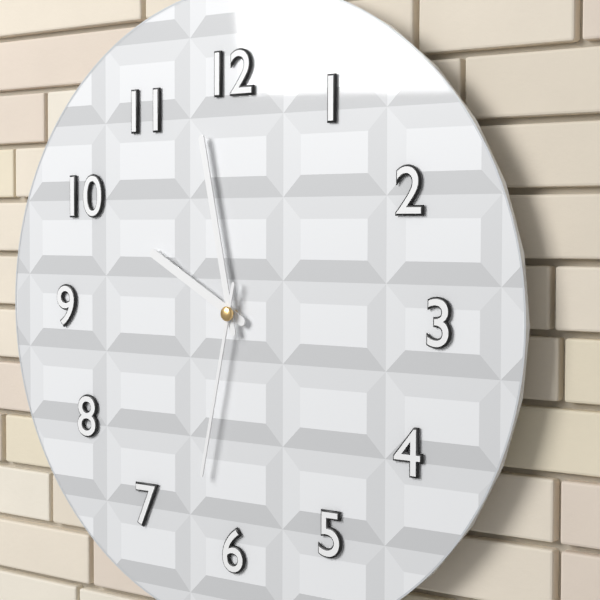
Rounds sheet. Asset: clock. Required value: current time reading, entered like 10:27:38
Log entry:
9:58:32
